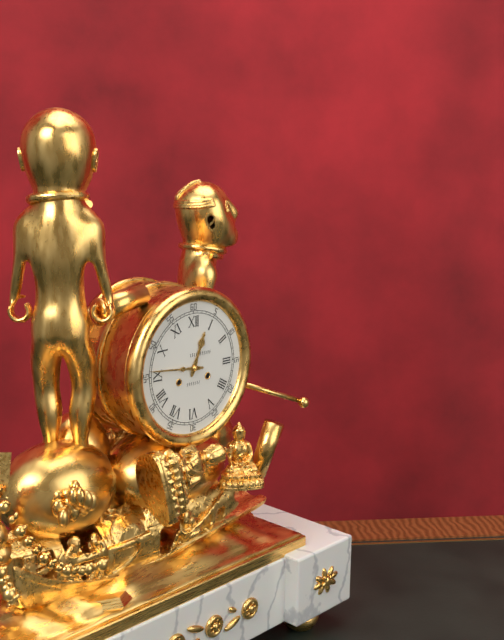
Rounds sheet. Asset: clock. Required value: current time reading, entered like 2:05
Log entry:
12:46
